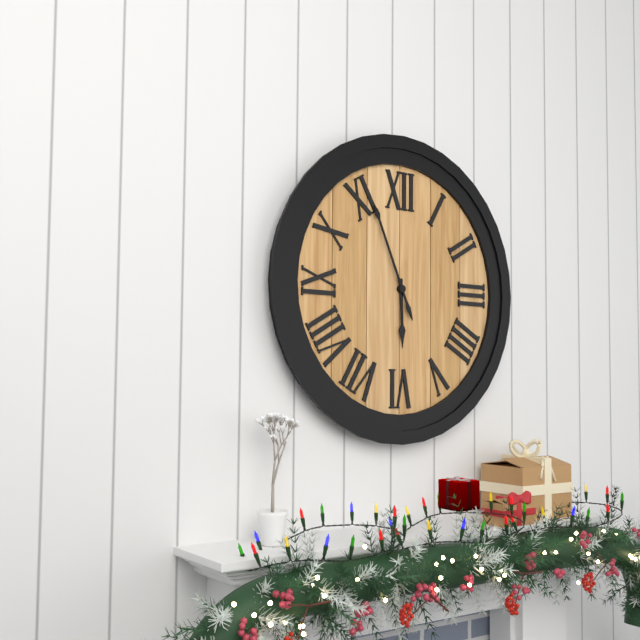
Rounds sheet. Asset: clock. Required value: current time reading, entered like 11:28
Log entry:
5:56
